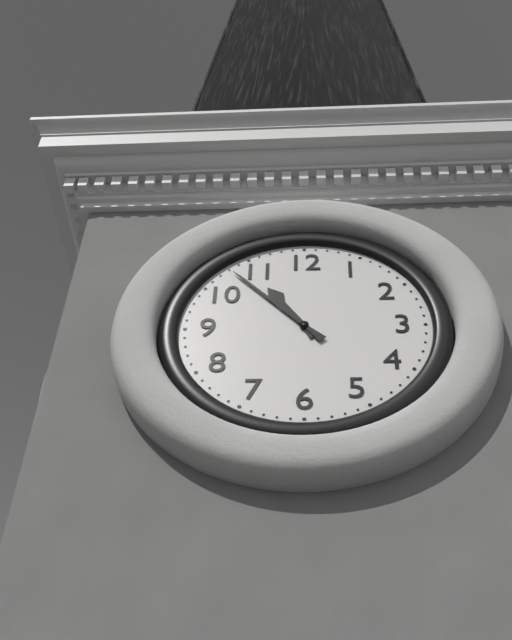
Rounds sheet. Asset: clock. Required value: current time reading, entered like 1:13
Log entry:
10:53
